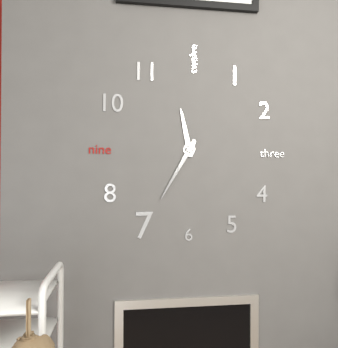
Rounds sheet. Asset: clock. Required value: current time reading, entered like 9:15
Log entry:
11:35
